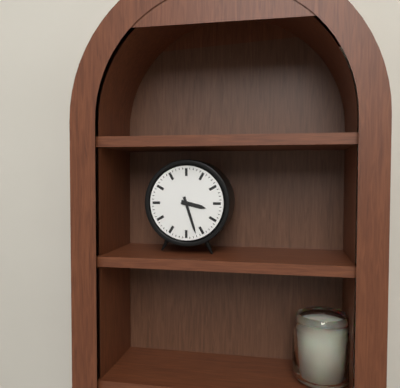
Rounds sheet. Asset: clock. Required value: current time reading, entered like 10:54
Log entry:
3:27
